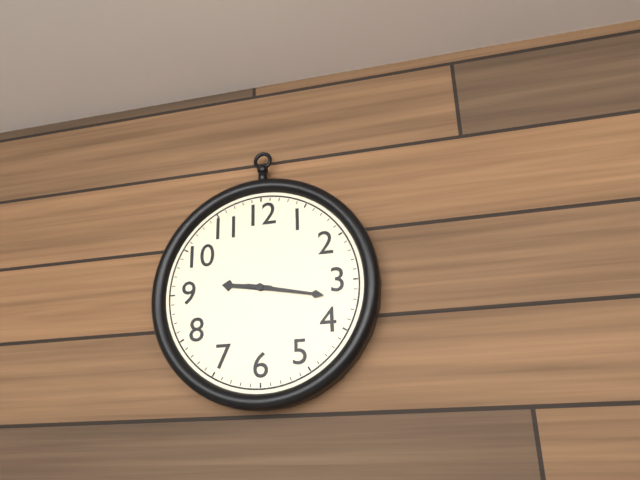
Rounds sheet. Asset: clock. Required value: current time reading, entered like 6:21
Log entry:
9:17
